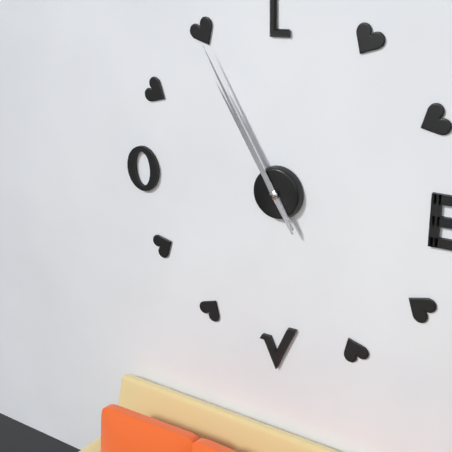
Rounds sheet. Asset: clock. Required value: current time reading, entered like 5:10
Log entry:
10:55
